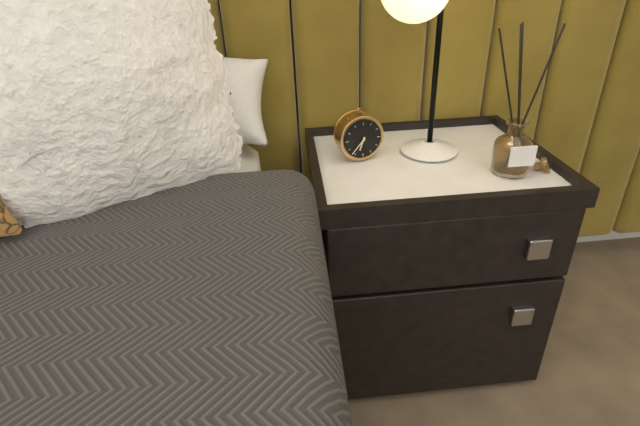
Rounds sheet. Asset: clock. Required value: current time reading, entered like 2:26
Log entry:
6:37
